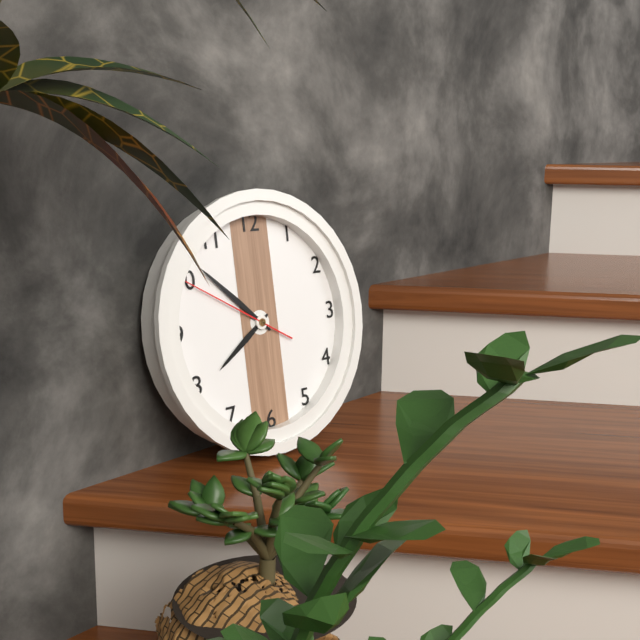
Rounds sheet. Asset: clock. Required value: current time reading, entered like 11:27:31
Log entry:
7:52:50
